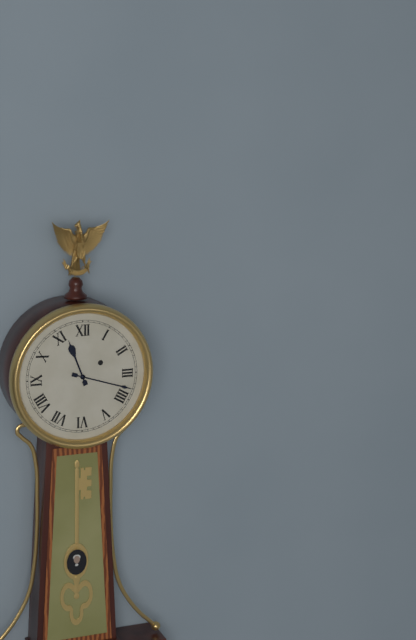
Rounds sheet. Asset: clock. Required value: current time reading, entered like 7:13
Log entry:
11:18
